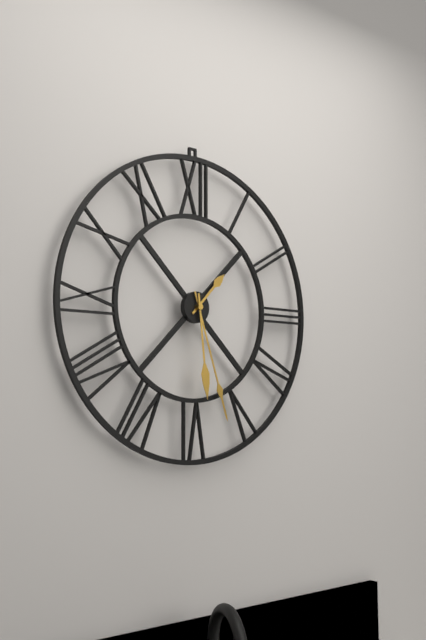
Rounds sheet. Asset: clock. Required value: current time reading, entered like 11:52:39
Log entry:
1:27:29
